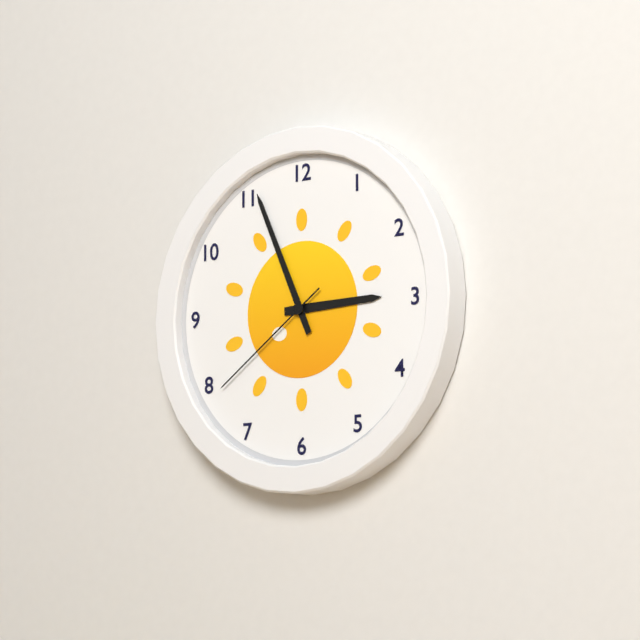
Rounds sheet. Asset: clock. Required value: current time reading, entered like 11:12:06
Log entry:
2:56:39
